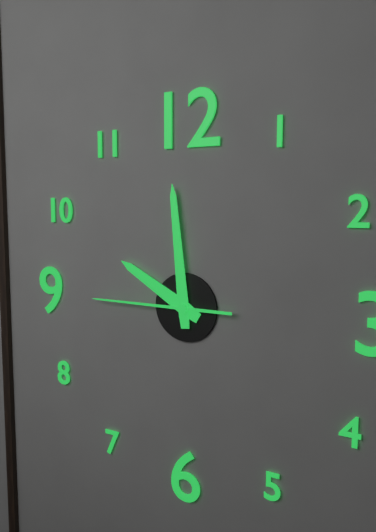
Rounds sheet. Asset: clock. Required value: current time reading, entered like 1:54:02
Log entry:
9:59:45
